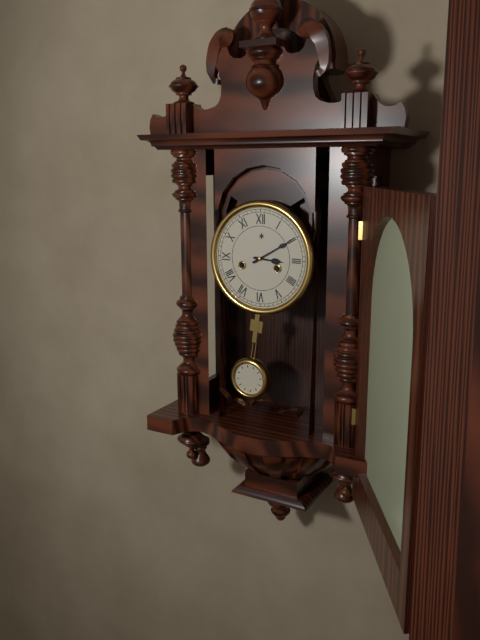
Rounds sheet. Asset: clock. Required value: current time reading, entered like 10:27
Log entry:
3:10
